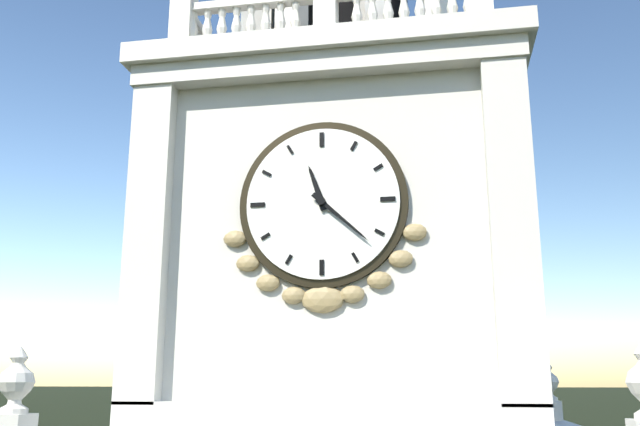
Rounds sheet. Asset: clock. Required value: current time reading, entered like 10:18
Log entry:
11:22
